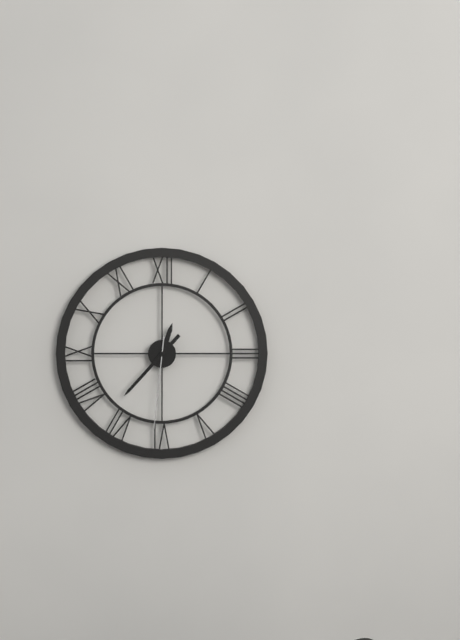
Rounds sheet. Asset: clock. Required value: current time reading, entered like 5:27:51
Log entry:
12:37:31
